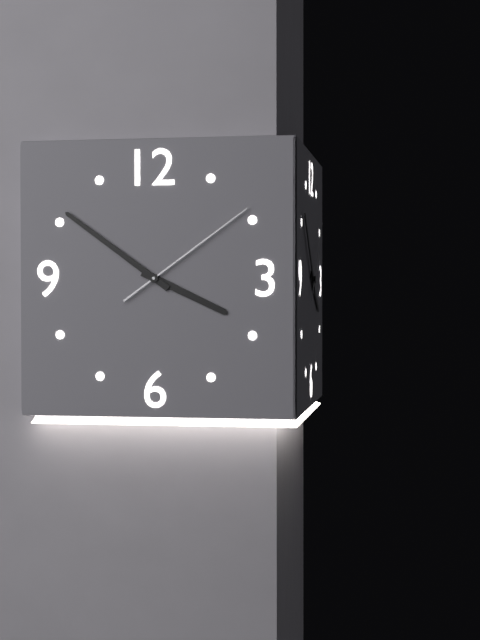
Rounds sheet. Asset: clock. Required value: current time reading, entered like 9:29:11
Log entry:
3:51:09
